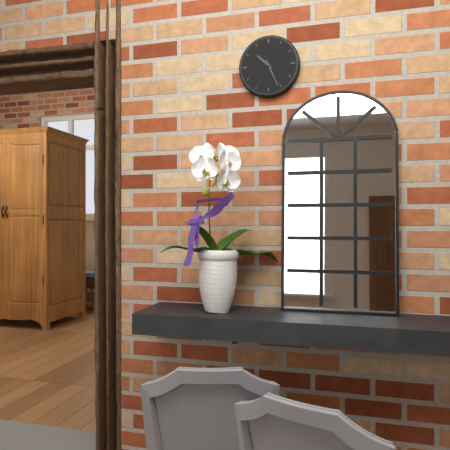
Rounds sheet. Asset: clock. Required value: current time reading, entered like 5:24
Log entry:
10:26
